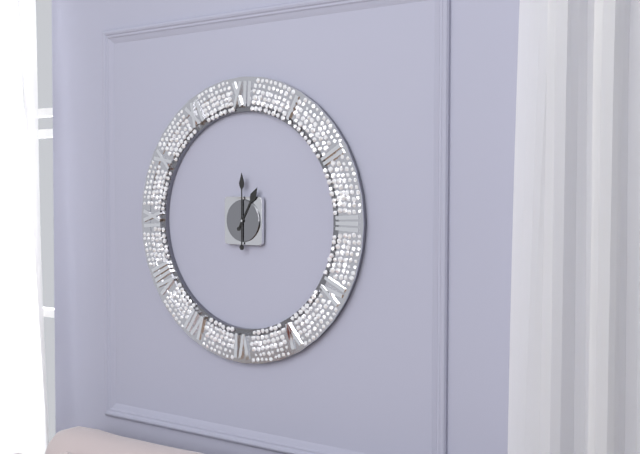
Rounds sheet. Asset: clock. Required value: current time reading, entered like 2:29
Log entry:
1:00
